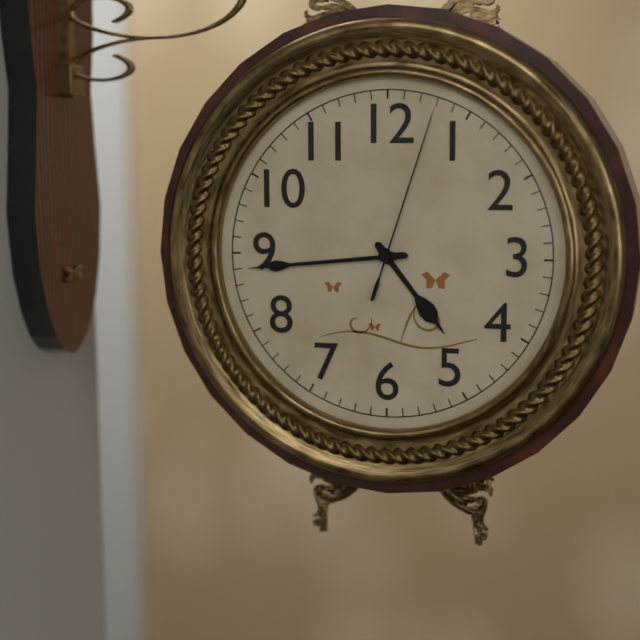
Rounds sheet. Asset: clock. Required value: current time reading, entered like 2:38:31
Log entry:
4:44:03
